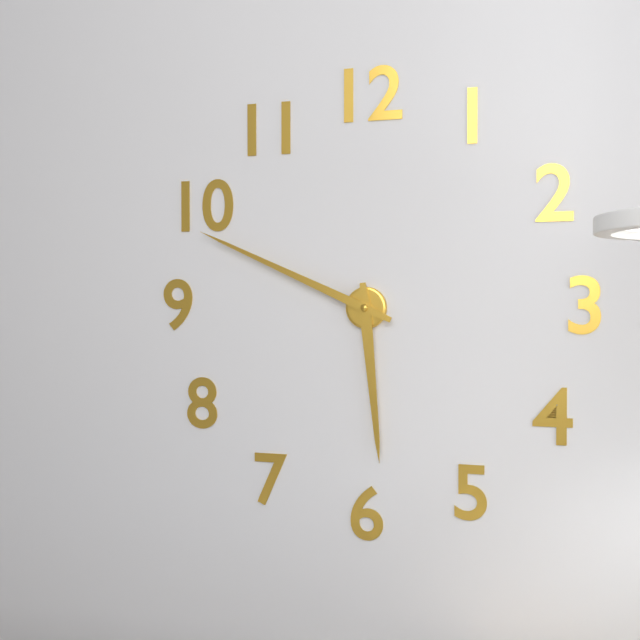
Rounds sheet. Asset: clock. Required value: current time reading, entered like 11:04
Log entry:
5:49
